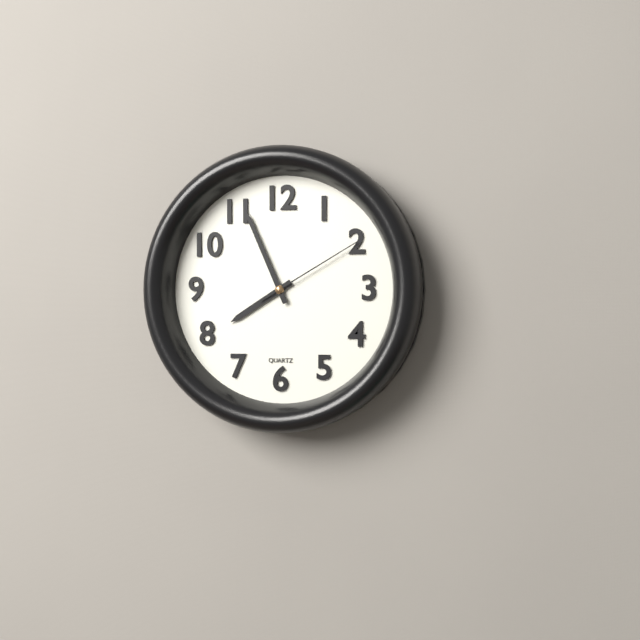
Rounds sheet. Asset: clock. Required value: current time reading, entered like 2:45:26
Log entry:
7:56:10
